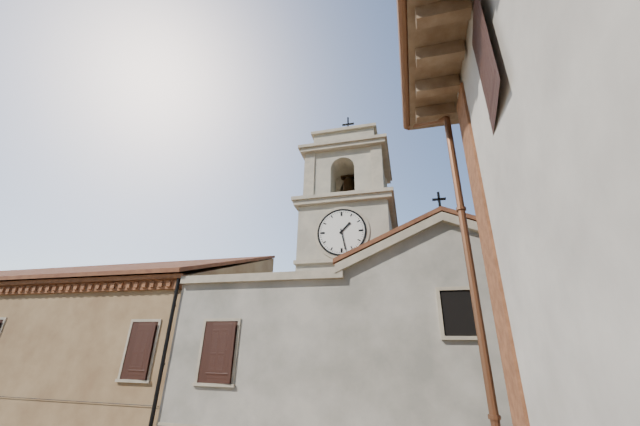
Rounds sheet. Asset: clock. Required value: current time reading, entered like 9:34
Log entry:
1:28
